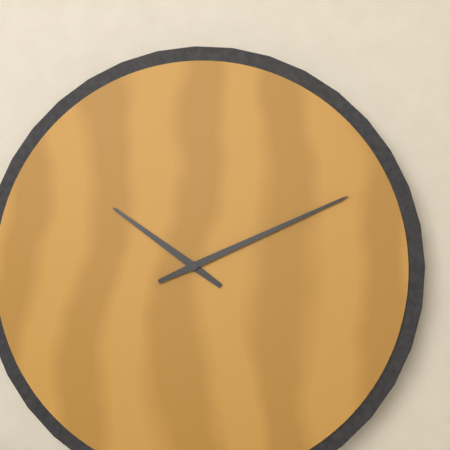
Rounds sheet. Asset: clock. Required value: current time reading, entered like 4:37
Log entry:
10:11
